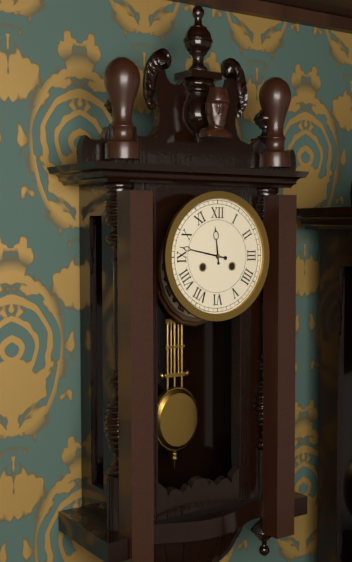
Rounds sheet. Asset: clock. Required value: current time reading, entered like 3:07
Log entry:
11:47
